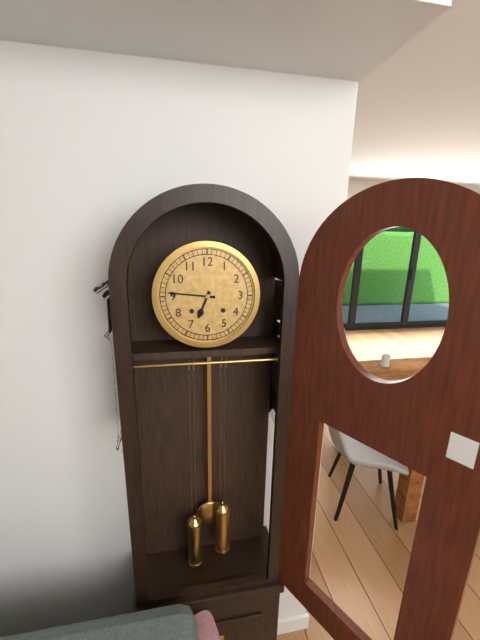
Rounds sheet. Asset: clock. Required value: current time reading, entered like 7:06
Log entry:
6:46
